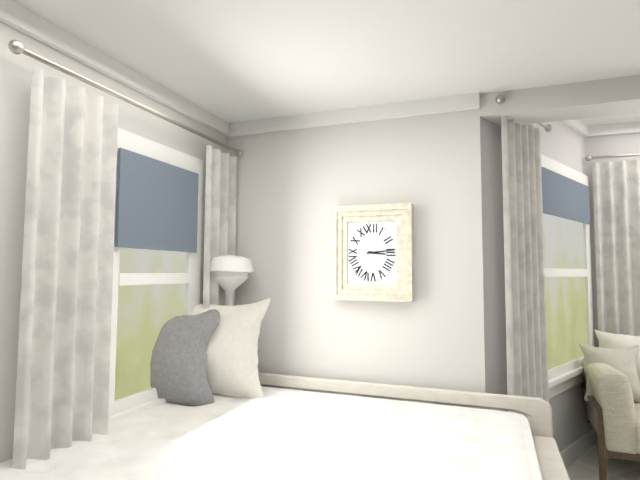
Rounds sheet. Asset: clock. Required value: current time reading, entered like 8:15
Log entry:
3:14
